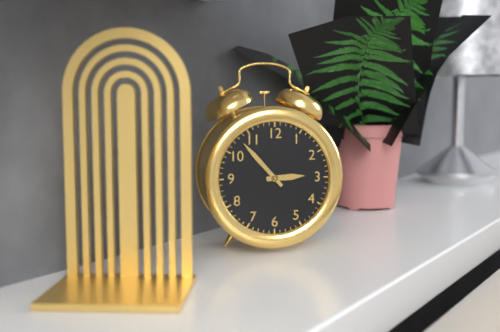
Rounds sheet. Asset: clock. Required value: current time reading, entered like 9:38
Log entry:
2:53
